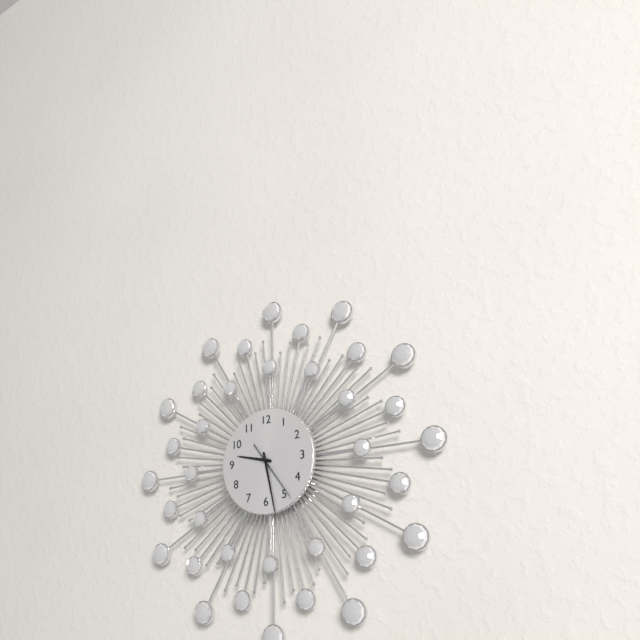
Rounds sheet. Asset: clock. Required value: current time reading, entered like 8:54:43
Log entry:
9:28:24
